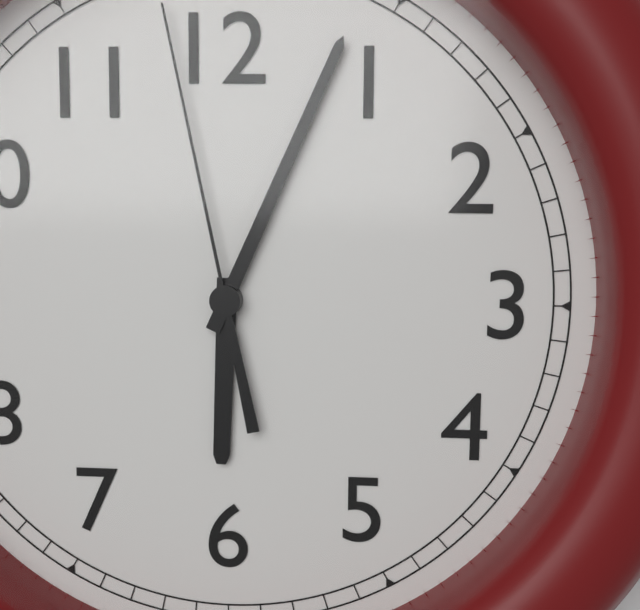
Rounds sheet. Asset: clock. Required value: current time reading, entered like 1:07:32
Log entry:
6:04:58
